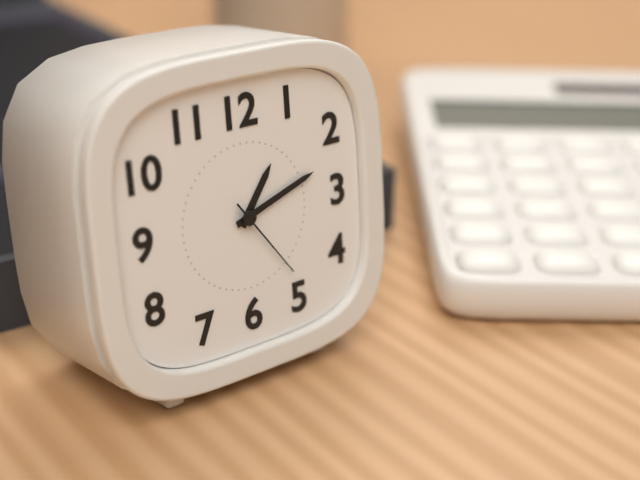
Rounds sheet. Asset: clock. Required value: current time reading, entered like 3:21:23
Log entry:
1:12:24
